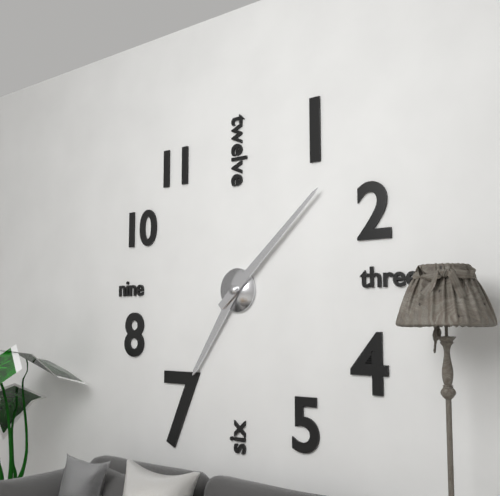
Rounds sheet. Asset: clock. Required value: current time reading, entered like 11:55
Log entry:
7:08
